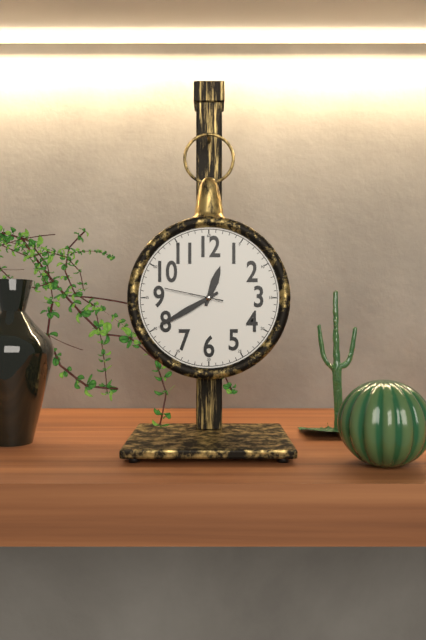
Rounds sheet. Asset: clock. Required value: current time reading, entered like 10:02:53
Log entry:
12:40:47
